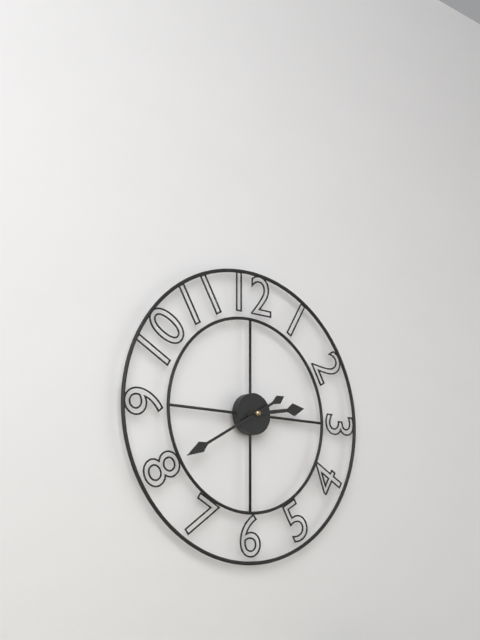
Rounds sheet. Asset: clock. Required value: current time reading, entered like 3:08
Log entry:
2:40
